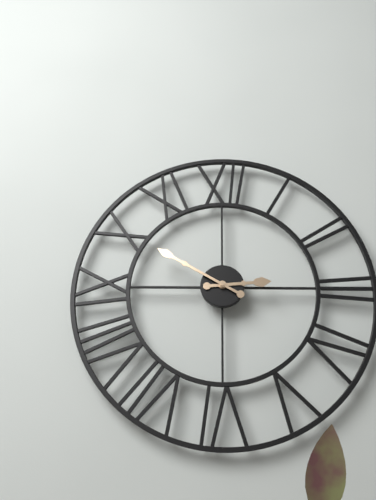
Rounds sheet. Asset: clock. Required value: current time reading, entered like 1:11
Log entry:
2:50
